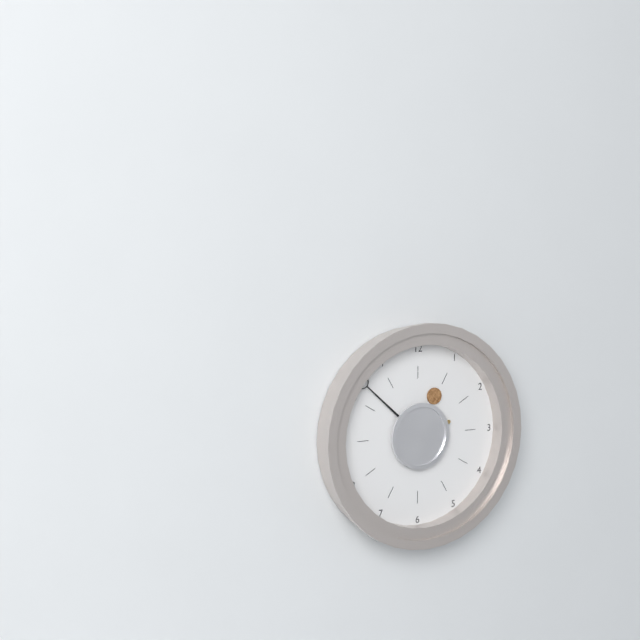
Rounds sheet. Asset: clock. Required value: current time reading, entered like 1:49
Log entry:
12:52
